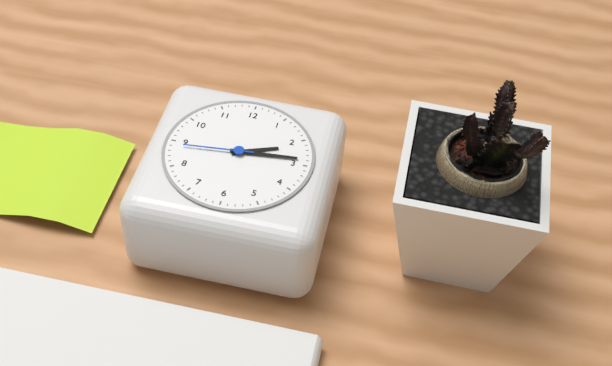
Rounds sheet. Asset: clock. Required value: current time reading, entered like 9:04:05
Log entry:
2:14:44
